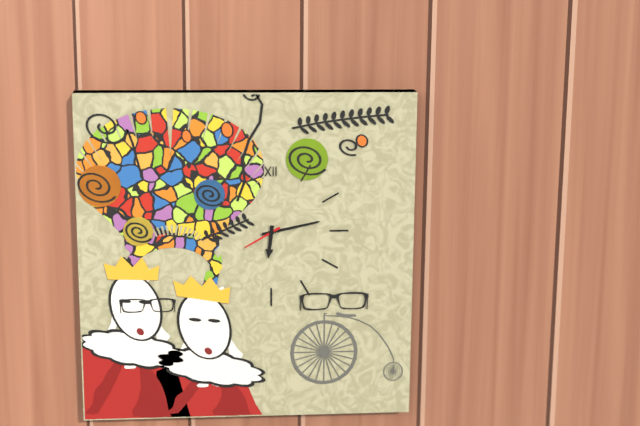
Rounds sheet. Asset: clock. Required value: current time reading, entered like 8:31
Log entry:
6:13
